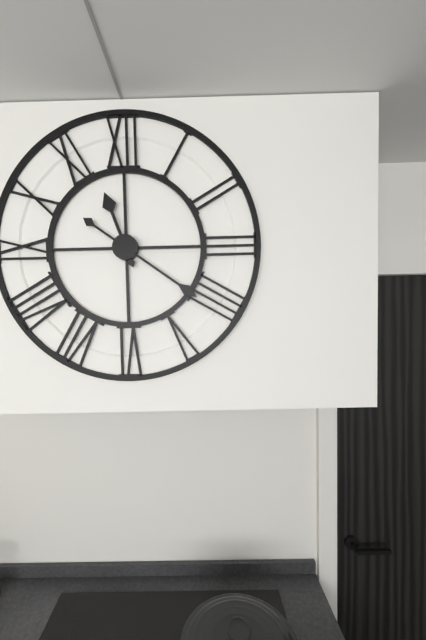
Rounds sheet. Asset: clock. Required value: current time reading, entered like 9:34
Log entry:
11:21
